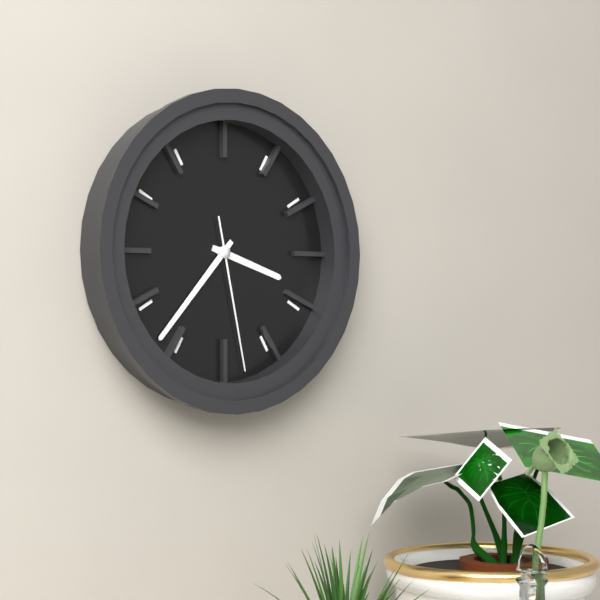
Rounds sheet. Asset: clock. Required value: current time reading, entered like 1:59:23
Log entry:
3:37:28
